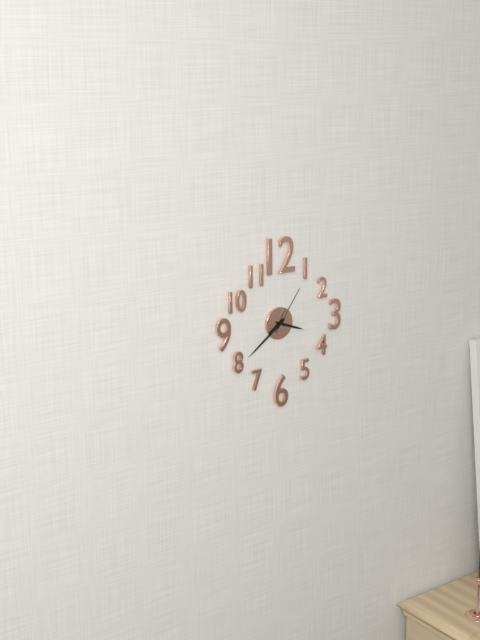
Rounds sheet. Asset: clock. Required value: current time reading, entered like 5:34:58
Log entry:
3:39:06
